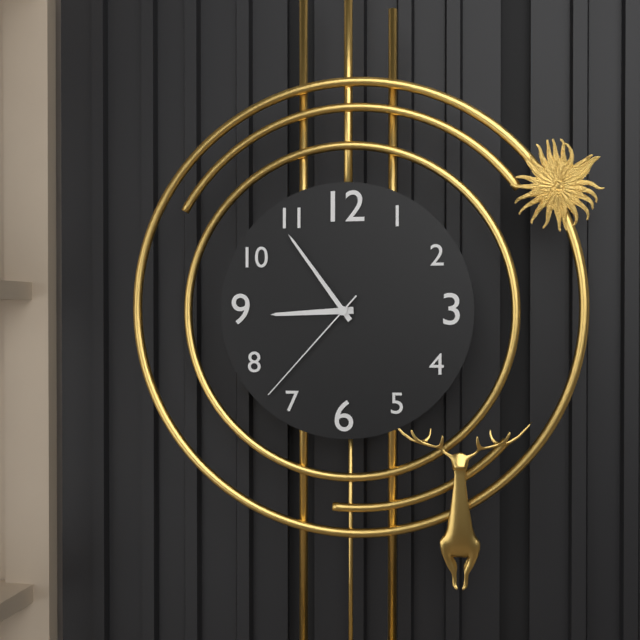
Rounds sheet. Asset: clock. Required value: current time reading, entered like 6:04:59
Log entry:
8:54:37
